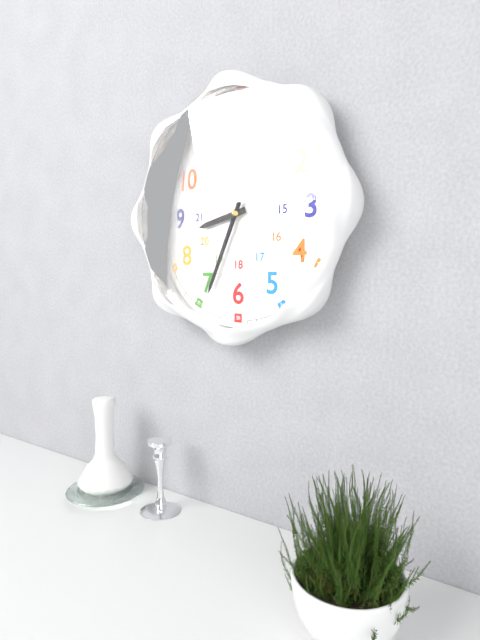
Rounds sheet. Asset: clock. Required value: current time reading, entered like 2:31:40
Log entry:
8:34:04
